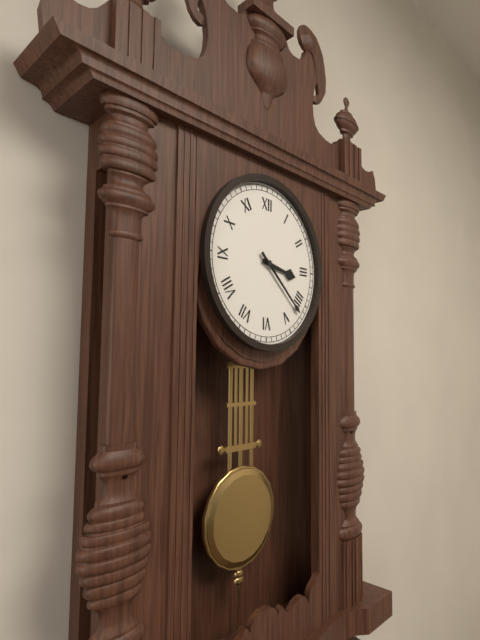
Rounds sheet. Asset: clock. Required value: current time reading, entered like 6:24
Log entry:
3:22
